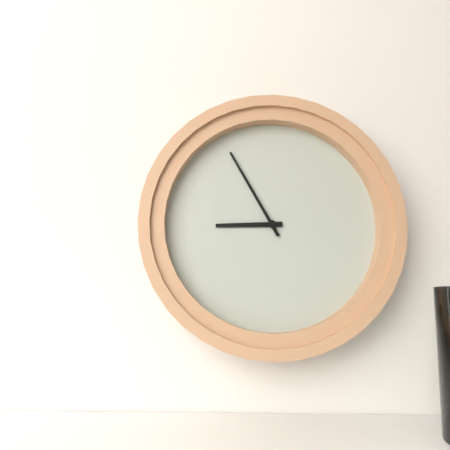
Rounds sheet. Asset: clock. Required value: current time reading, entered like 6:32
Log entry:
8:55
